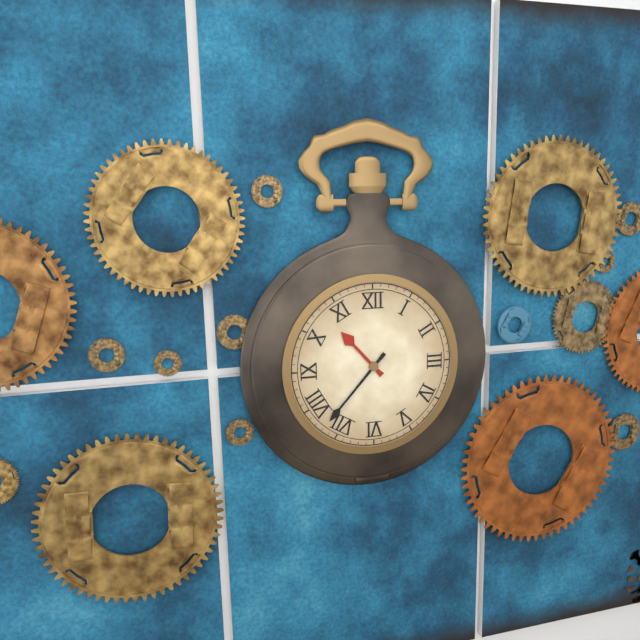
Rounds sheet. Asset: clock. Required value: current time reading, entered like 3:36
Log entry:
10:37
